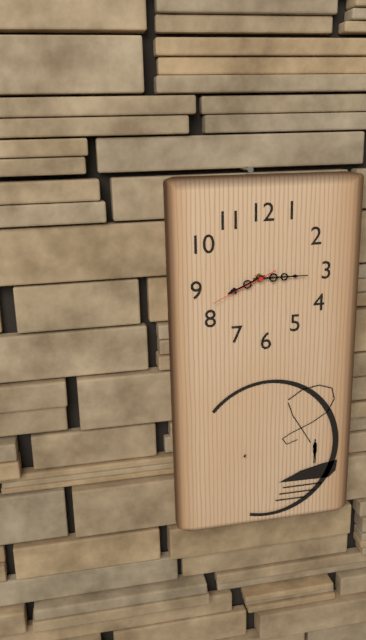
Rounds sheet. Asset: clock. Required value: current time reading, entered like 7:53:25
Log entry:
8:15:41
